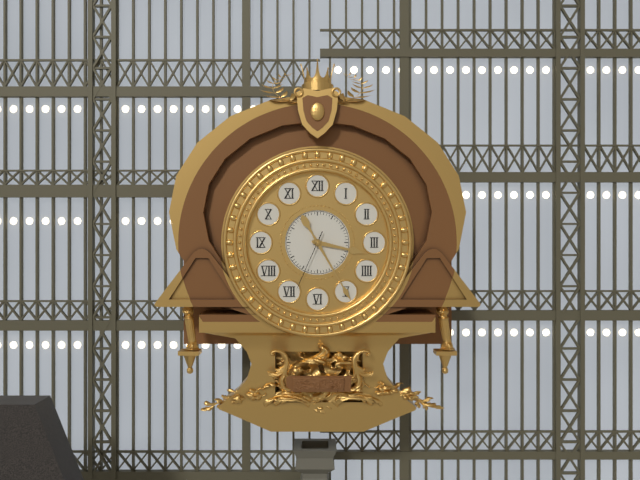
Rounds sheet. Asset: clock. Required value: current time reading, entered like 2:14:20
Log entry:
3:25:34
